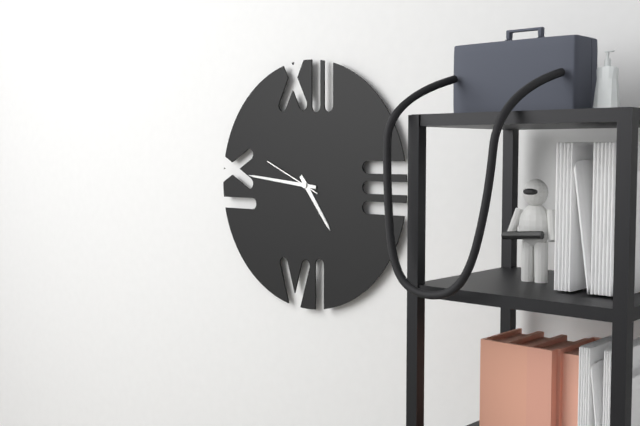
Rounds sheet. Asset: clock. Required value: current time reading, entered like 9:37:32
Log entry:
4:46:49
